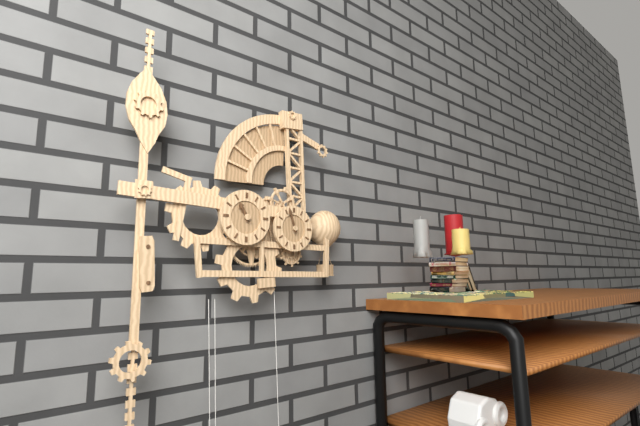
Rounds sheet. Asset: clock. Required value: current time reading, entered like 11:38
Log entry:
10:57
